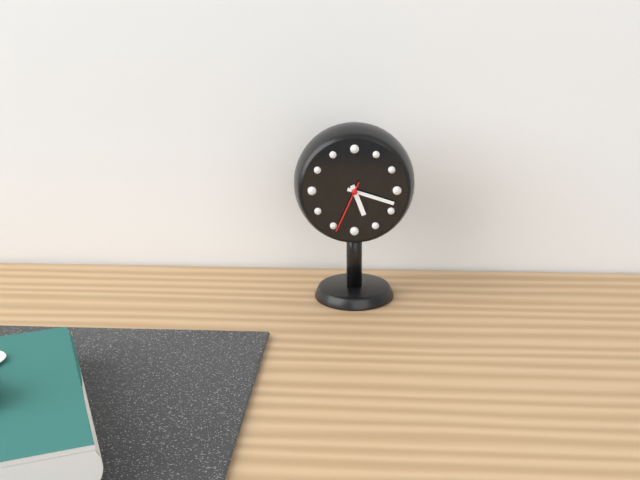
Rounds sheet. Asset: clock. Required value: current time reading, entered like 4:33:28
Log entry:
5:18:34
